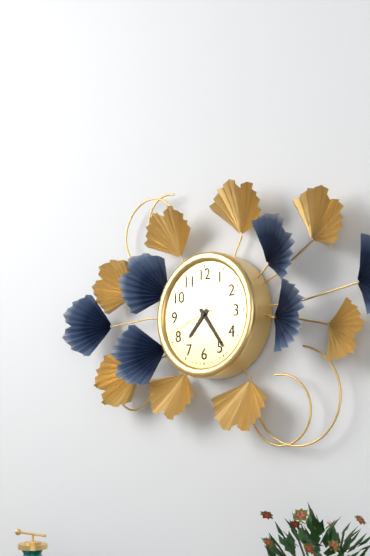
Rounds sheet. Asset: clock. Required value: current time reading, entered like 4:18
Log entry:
7:24
